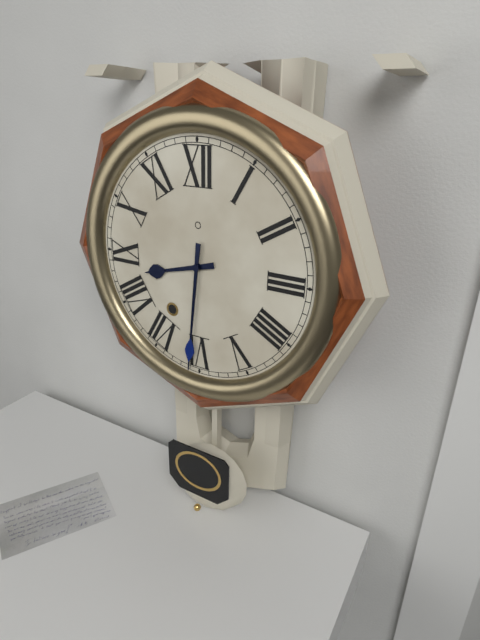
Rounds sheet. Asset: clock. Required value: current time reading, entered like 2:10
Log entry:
8:31
